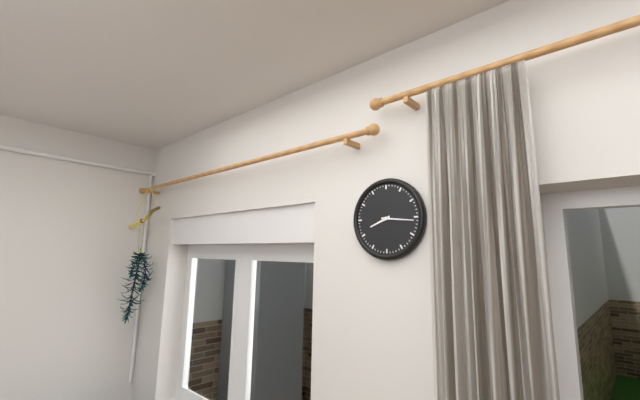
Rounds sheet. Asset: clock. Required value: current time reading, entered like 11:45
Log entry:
8:16
